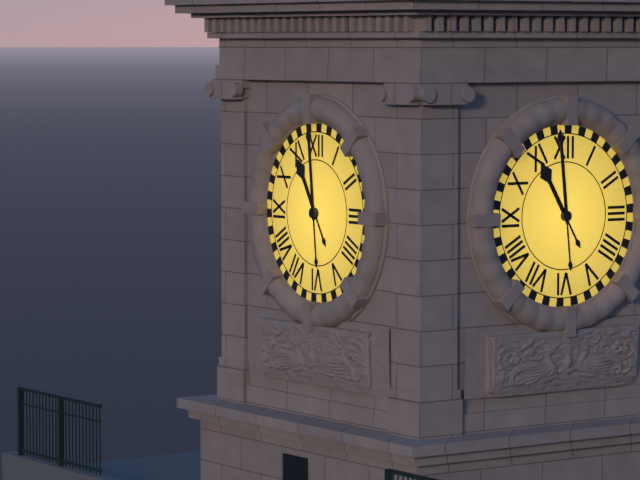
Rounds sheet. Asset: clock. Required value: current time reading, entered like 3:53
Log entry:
10:59
